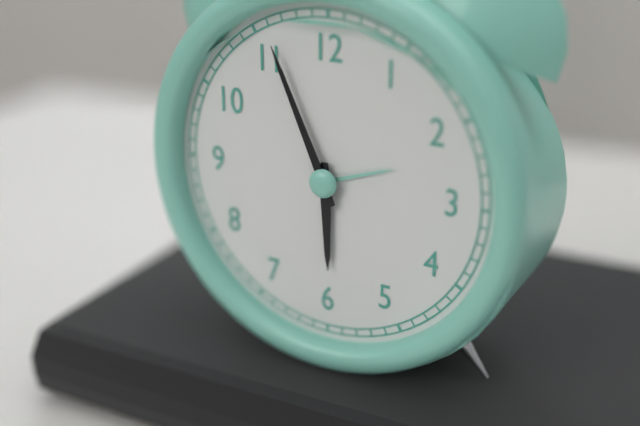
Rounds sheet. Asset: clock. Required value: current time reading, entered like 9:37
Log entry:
5:56
